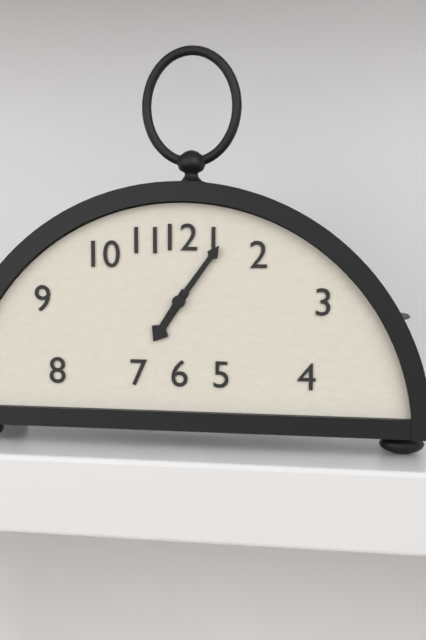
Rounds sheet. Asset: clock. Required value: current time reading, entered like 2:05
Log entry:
7:06
